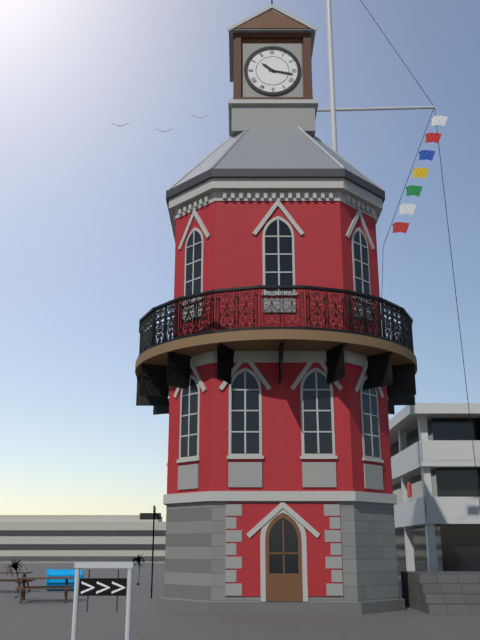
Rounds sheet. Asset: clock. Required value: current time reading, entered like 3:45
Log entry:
10:17
